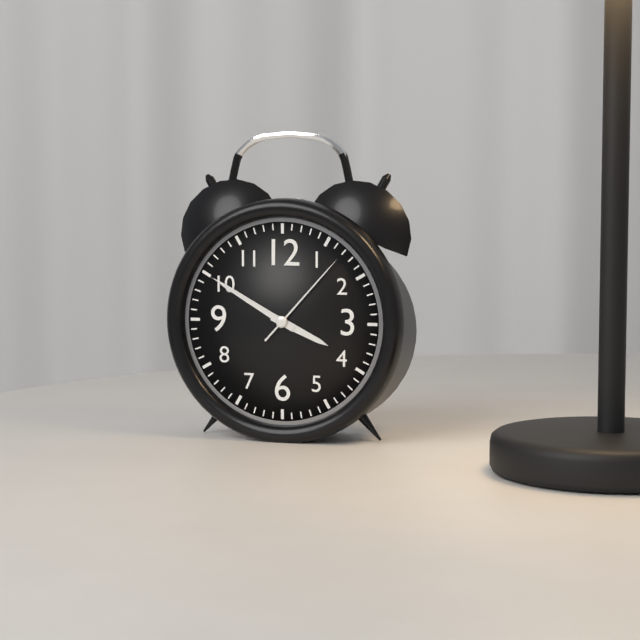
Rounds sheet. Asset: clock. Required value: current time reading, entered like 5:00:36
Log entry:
3:50:07
